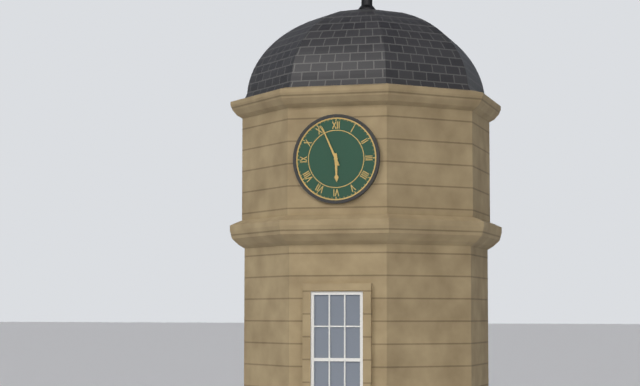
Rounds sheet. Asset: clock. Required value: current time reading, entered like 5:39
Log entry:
5:56
